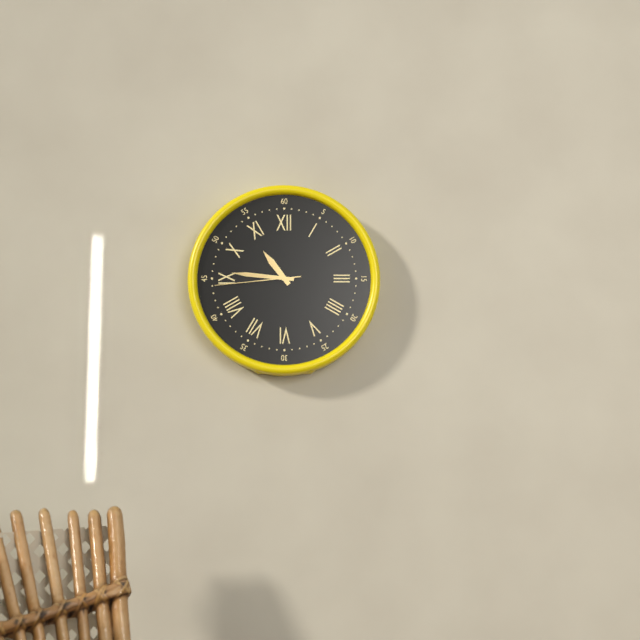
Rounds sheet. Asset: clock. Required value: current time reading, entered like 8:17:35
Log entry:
10:46:44
